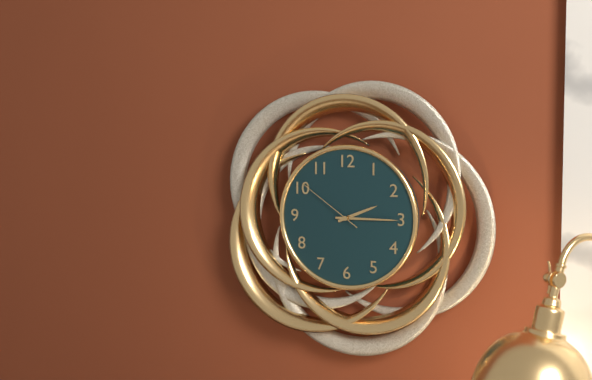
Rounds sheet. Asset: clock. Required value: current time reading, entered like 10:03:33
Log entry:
2:15:51
